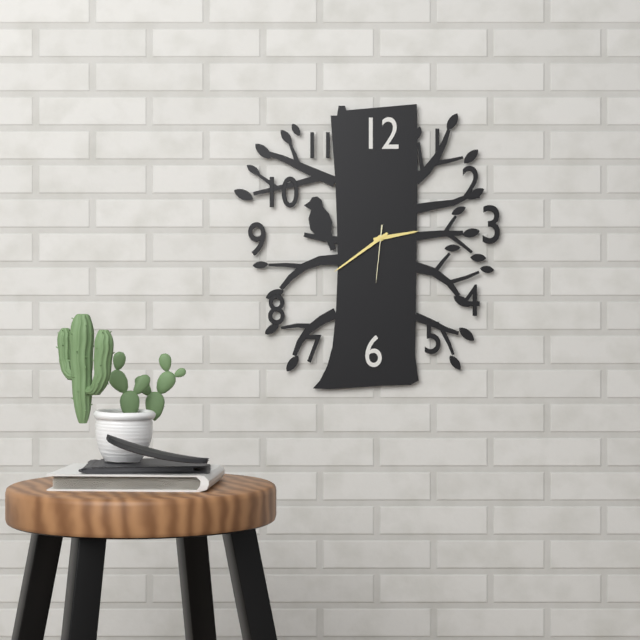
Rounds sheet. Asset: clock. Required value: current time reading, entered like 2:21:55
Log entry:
2:39:31
